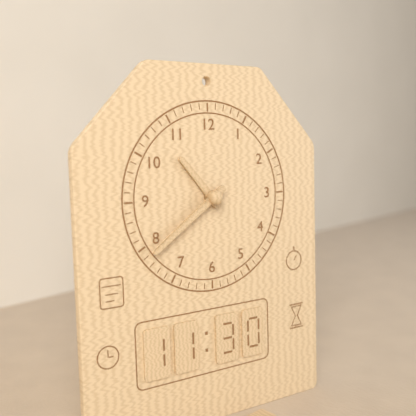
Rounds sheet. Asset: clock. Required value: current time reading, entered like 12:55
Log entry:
10:39
